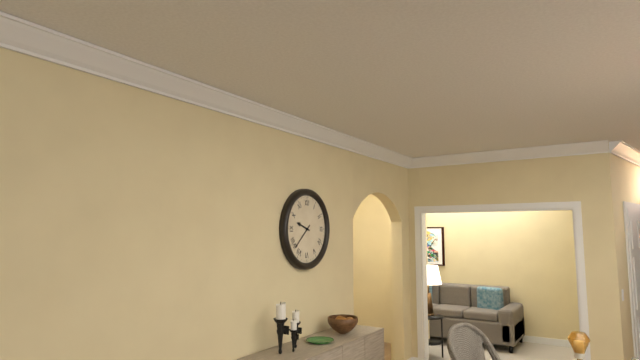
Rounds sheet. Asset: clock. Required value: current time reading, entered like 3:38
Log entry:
9:38
